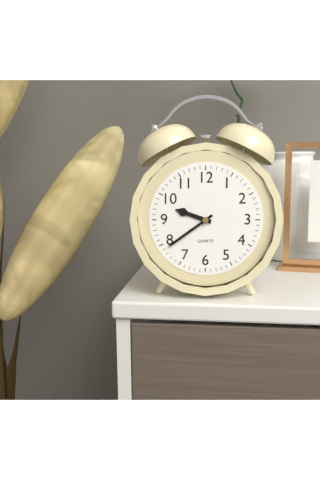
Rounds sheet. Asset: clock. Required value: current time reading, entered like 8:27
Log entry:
9:39
